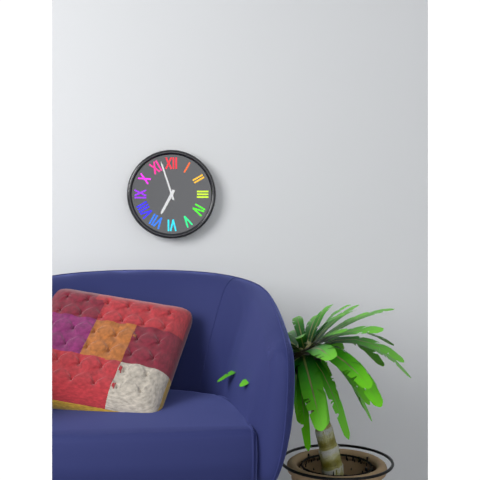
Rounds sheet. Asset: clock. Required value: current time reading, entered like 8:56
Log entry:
6:57
